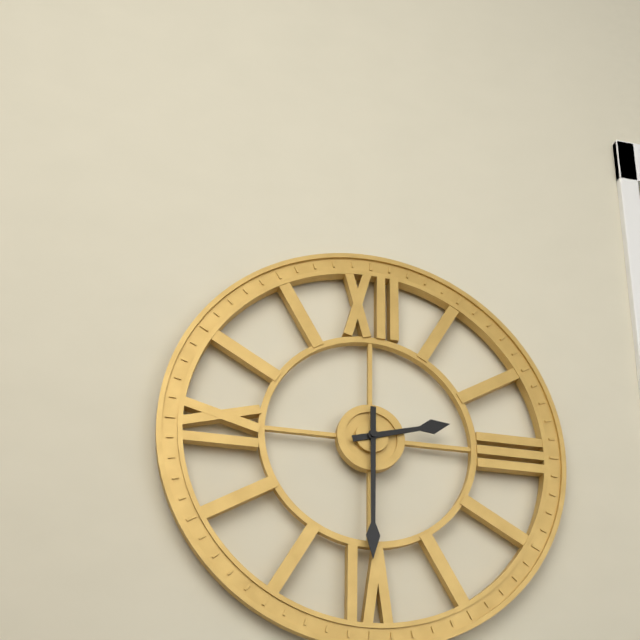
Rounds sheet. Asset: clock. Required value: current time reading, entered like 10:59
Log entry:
2:30
